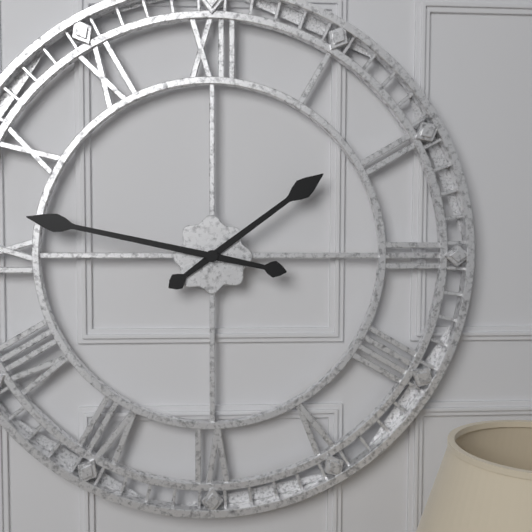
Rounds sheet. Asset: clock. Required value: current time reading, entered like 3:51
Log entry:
1:47
